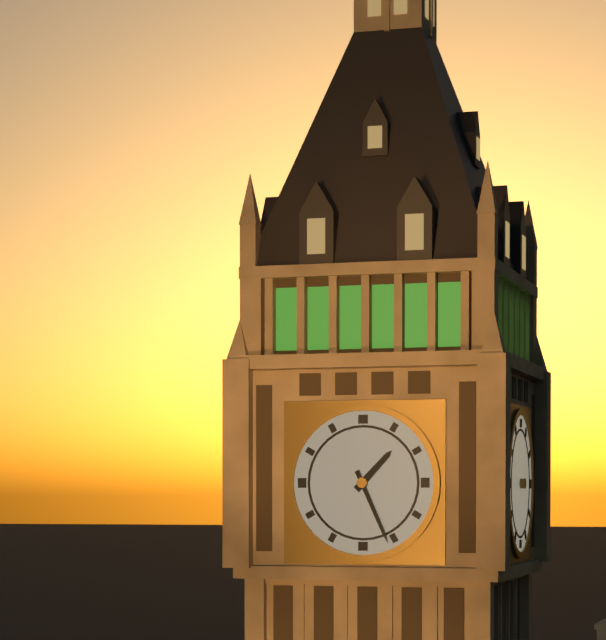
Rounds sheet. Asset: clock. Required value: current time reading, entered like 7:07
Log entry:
1:26
